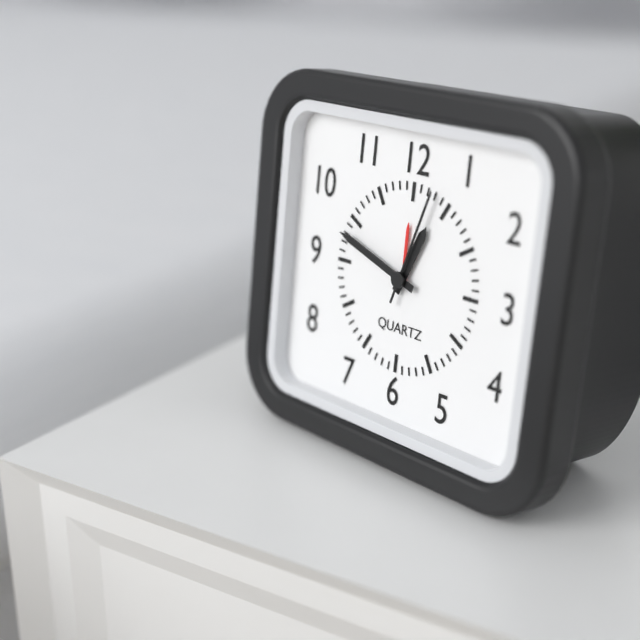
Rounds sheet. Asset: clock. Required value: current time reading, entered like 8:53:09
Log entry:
12:48:03
